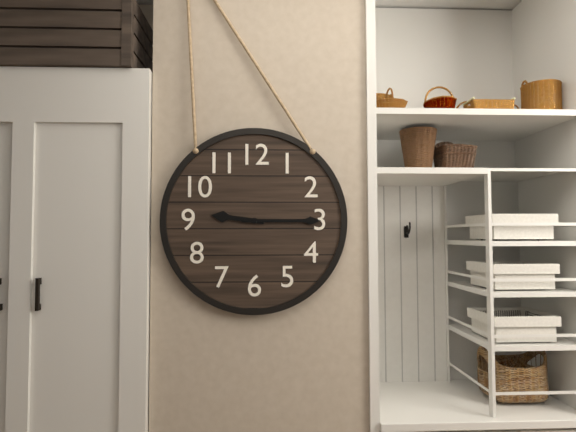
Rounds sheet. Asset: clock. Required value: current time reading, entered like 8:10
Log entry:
9:15
